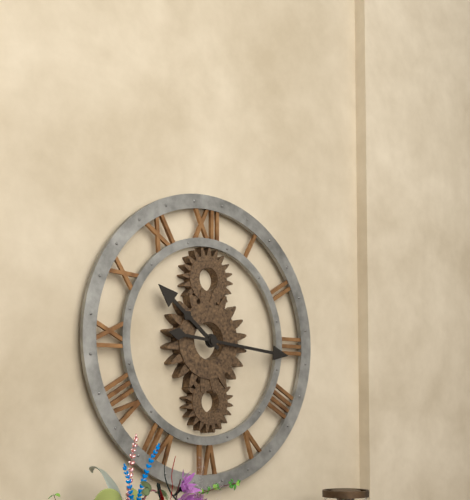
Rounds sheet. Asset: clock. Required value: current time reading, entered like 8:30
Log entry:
10:16
